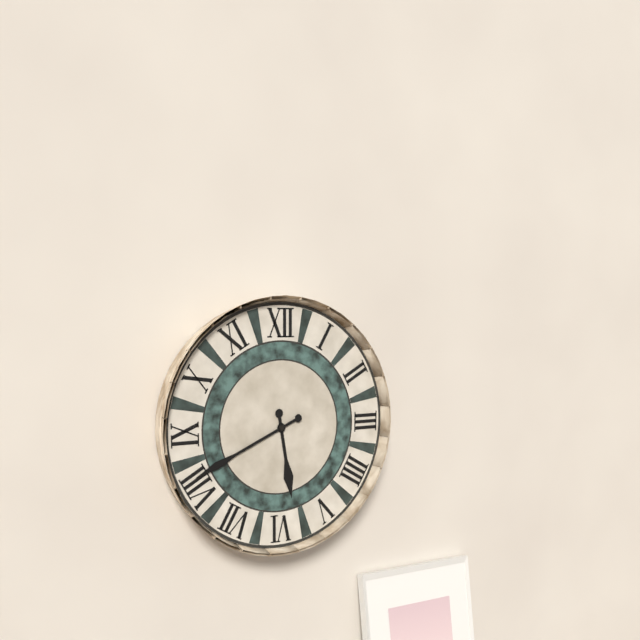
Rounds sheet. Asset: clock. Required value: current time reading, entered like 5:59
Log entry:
5:41
